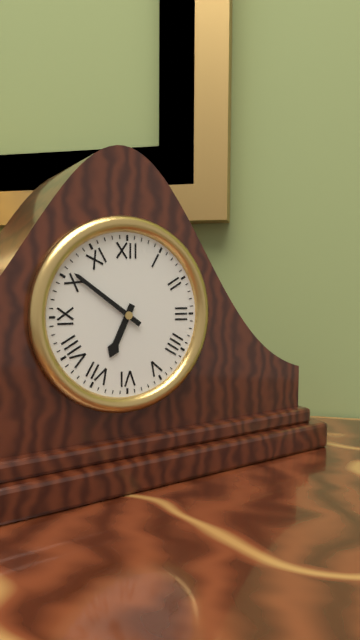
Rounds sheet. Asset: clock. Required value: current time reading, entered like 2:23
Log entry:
6:51
